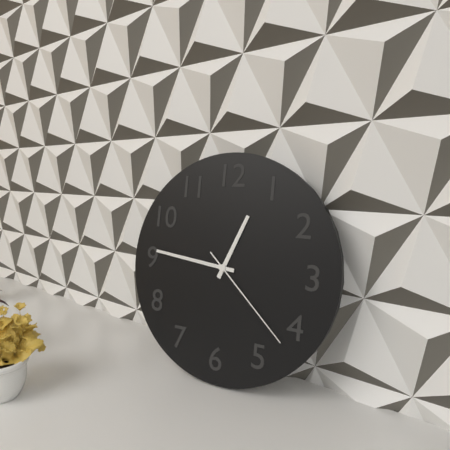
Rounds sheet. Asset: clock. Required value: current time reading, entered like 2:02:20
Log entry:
12:46:22
